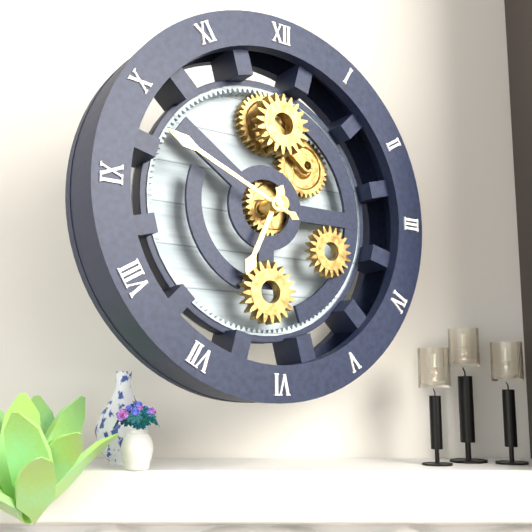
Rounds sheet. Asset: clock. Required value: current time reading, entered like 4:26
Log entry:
6:49
